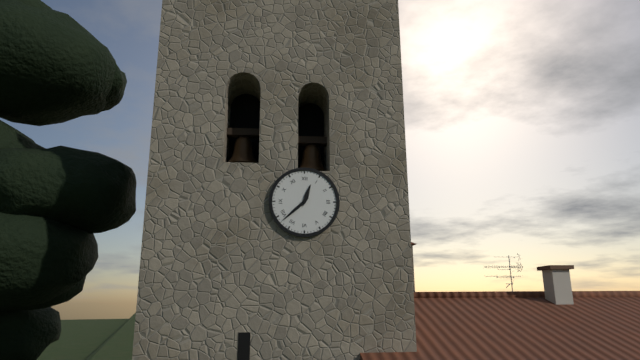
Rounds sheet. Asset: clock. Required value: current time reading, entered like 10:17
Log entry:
12:38
